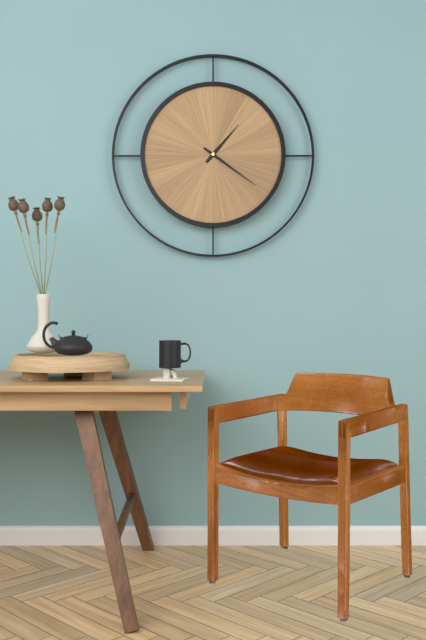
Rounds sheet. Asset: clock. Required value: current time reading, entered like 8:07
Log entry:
1:21
